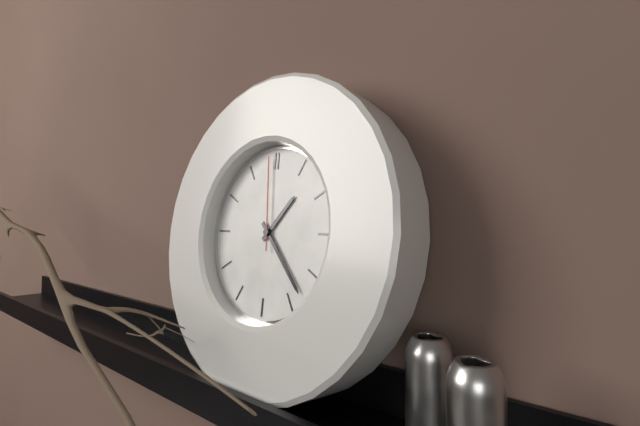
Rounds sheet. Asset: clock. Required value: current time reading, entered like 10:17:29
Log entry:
1:23:59
